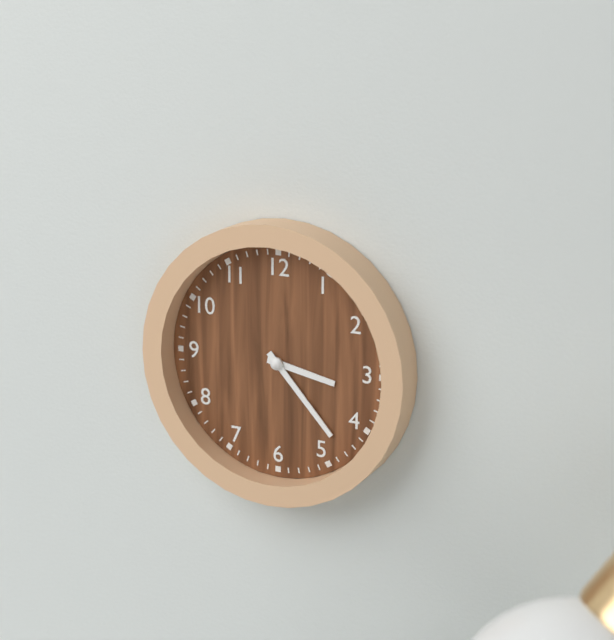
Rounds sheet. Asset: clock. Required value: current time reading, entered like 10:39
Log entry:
3:23
